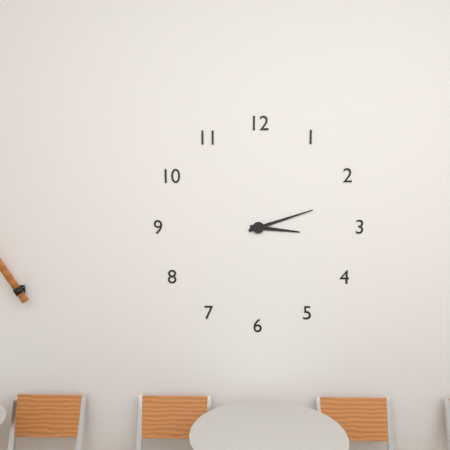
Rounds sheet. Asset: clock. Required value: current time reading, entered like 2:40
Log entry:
3:12
